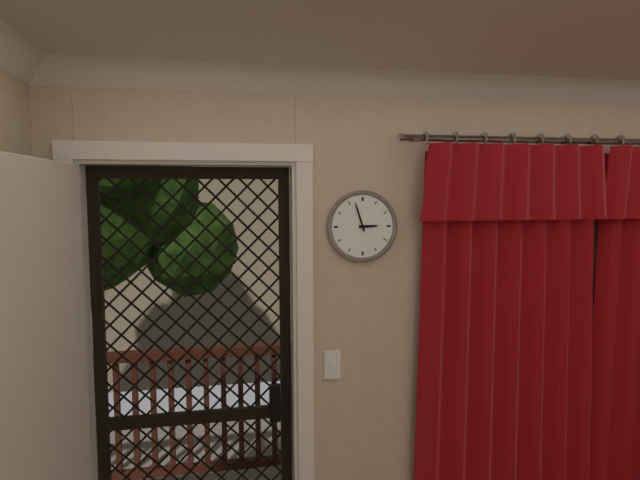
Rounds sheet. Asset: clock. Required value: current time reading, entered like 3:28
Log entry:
2:57
